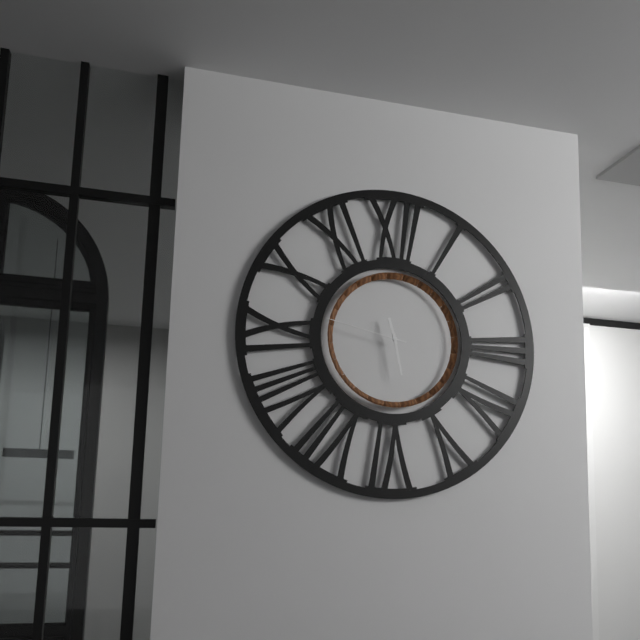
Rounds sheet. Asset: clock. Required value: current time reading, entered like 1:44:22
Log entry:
11:28:47
